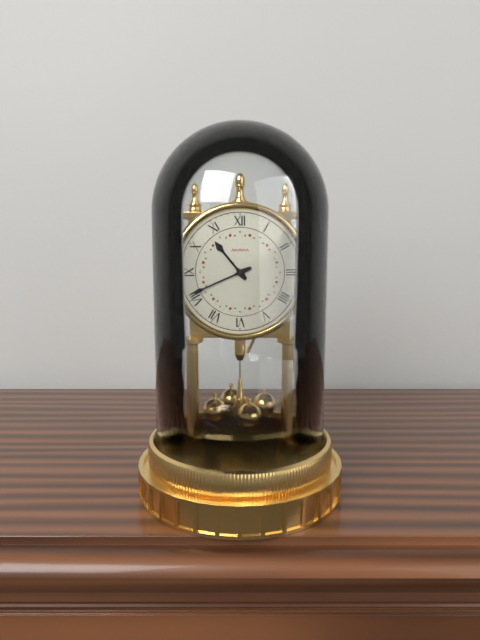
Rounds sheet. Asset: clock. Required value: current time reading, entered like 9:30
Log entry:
10:41
